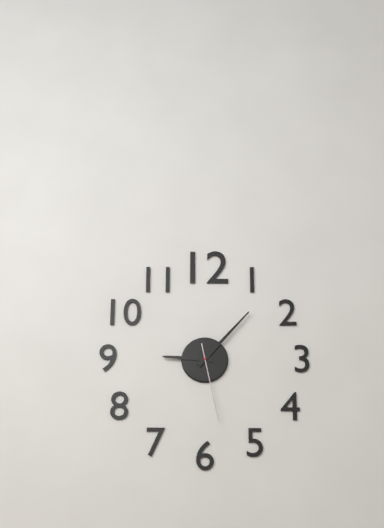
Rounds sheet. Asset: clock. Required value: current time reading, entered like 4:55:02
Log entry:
9:07:28
